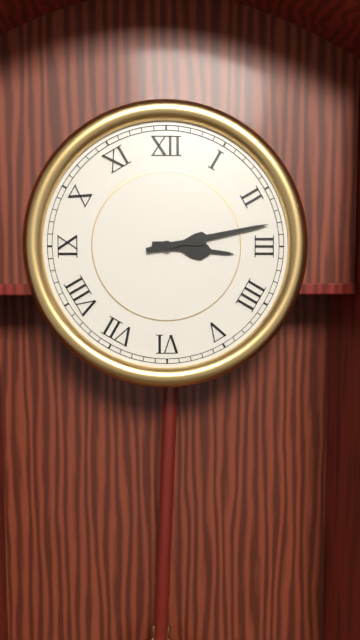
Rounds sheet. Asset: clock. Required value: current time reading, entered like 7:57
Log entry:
3:13
